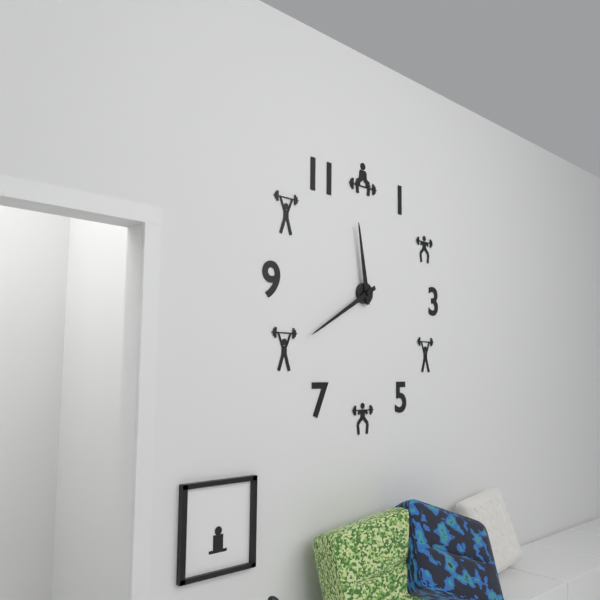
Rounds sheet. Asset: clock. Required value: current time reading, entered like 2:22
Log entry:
11:40
